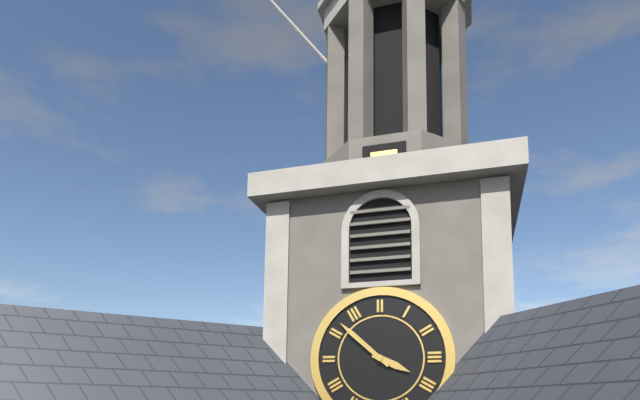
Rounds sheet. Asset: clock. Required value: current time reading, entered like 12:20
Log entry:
3:52
